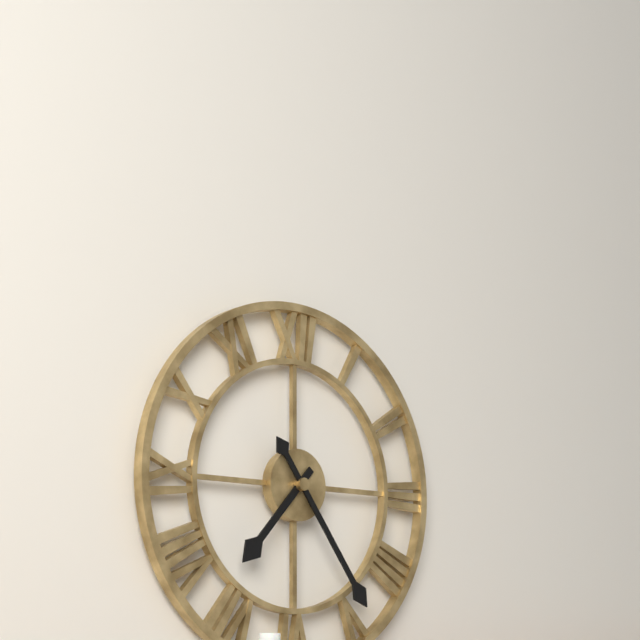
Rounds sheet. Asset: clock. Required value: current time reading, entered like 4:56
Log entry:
7:24
